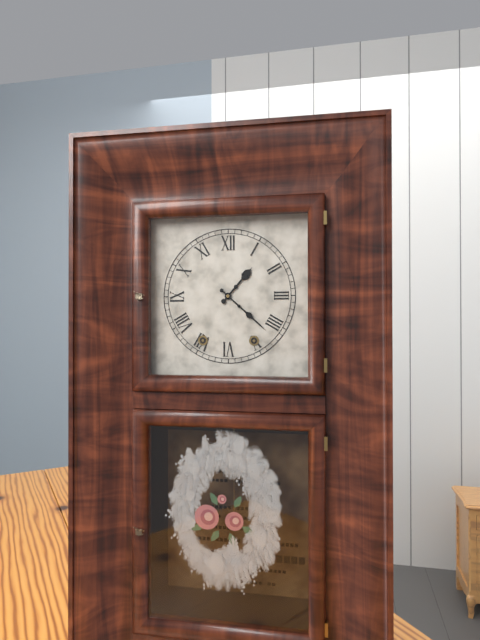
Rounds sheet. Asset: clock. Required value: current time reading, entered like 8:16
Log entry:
1:22
